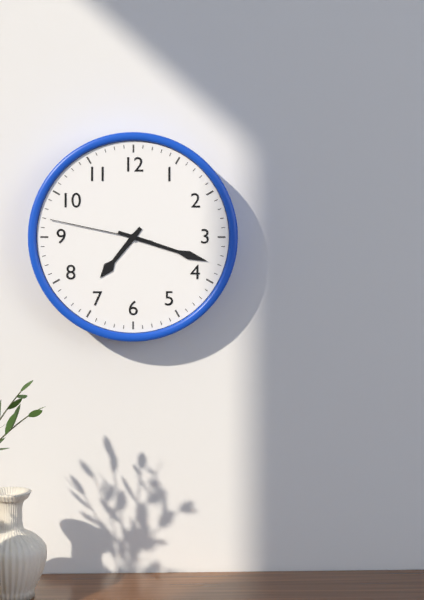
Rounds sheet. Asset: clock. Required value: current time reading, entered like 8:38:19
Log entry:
7:18:47
